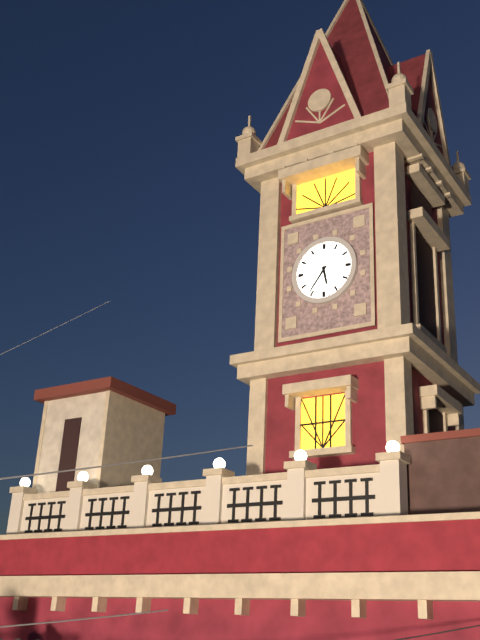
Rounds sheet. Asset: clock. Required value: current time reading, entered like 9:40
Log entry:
5:36
